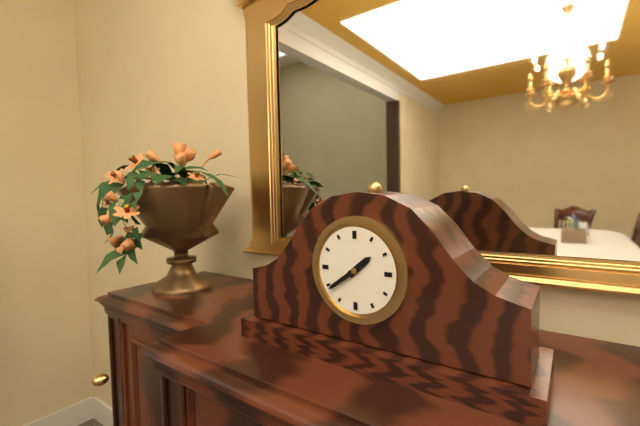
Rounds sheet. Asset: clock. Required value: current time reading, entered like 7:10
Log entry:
1:39
